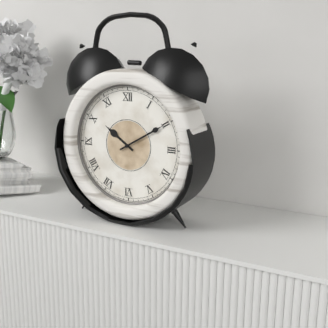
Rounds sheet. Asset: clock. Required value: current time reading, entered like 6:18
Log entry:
10:10
